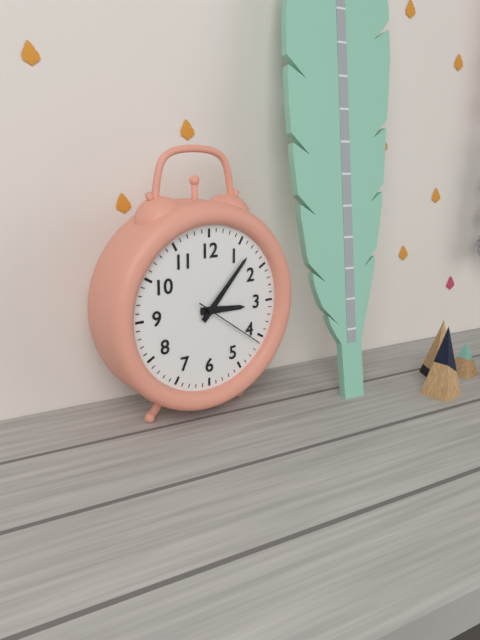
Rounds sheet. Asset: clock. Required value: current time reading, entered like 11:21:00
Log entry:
3:07:21
